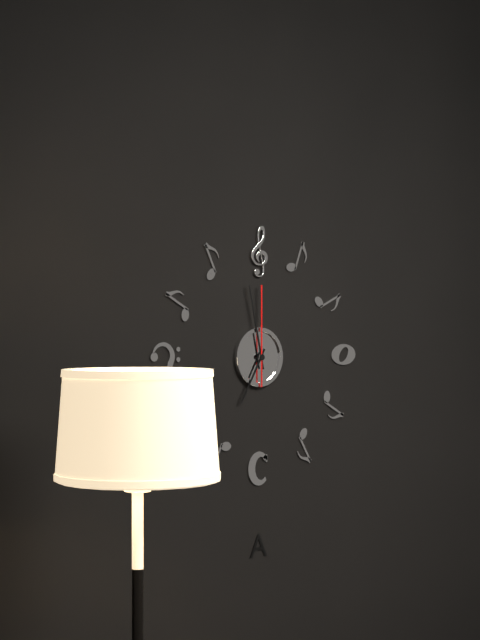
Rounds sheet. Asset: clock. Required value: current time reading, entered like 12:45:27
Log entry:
6:58:00
